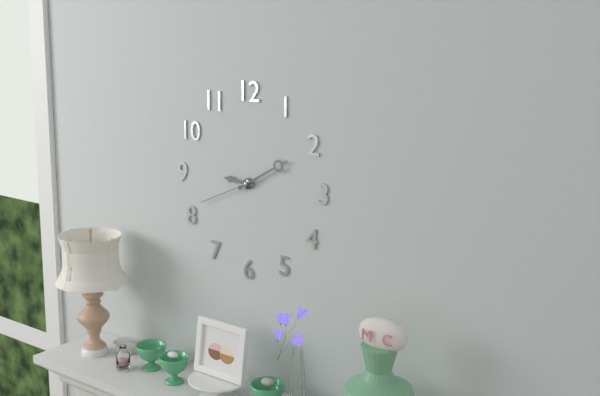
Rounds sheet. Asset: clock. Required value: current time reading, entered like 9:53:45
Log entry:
9:10:41
